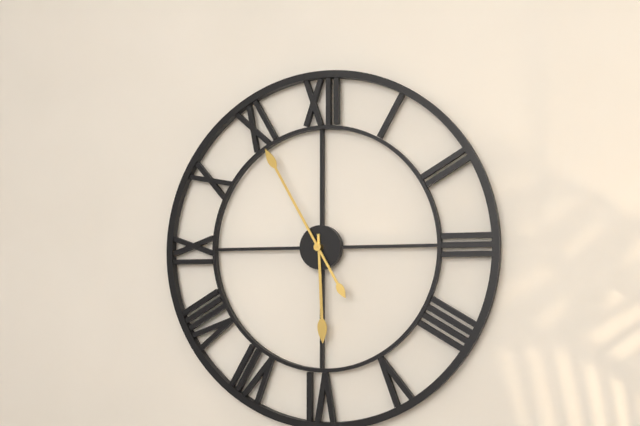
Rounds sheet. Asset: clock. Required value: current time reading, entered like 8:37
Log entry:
5:55
